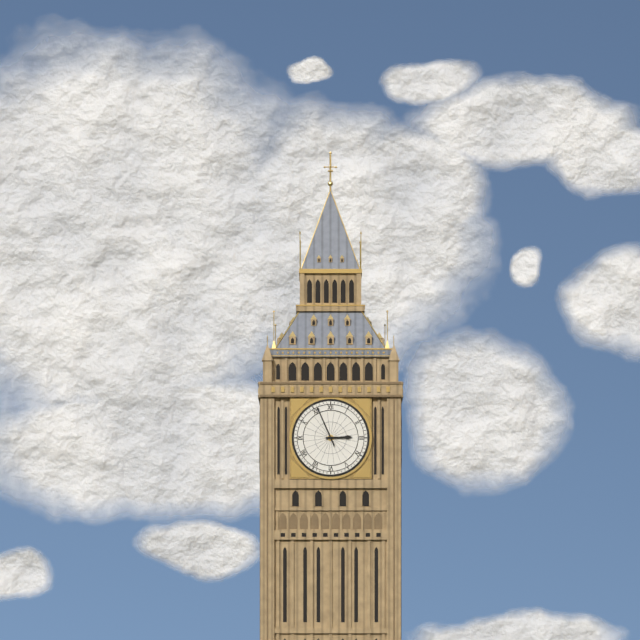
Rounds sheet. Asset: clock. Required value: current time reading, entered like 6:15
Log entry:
2:56
